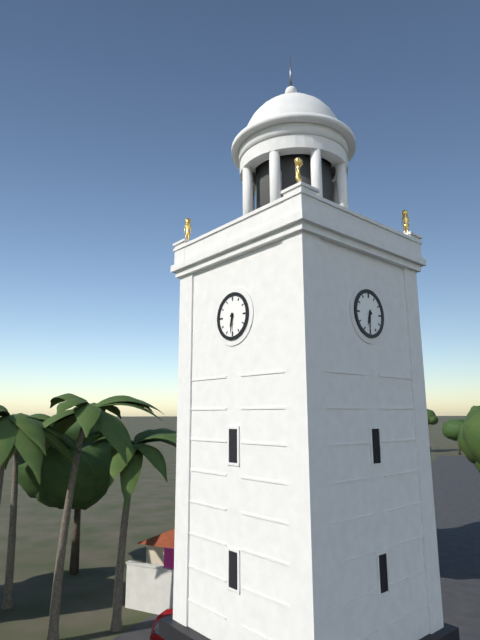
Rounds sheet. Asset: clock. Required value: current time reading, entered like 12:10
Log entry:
6:31
